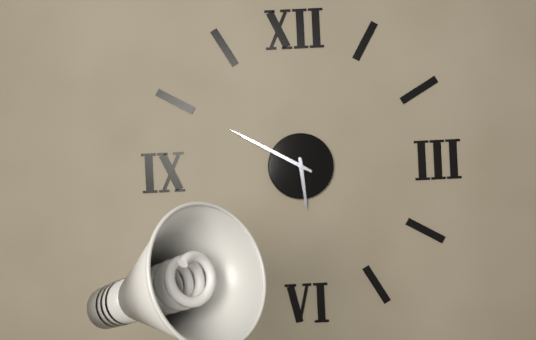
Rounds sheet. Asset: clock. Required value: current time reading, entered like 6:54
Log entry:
5:50
